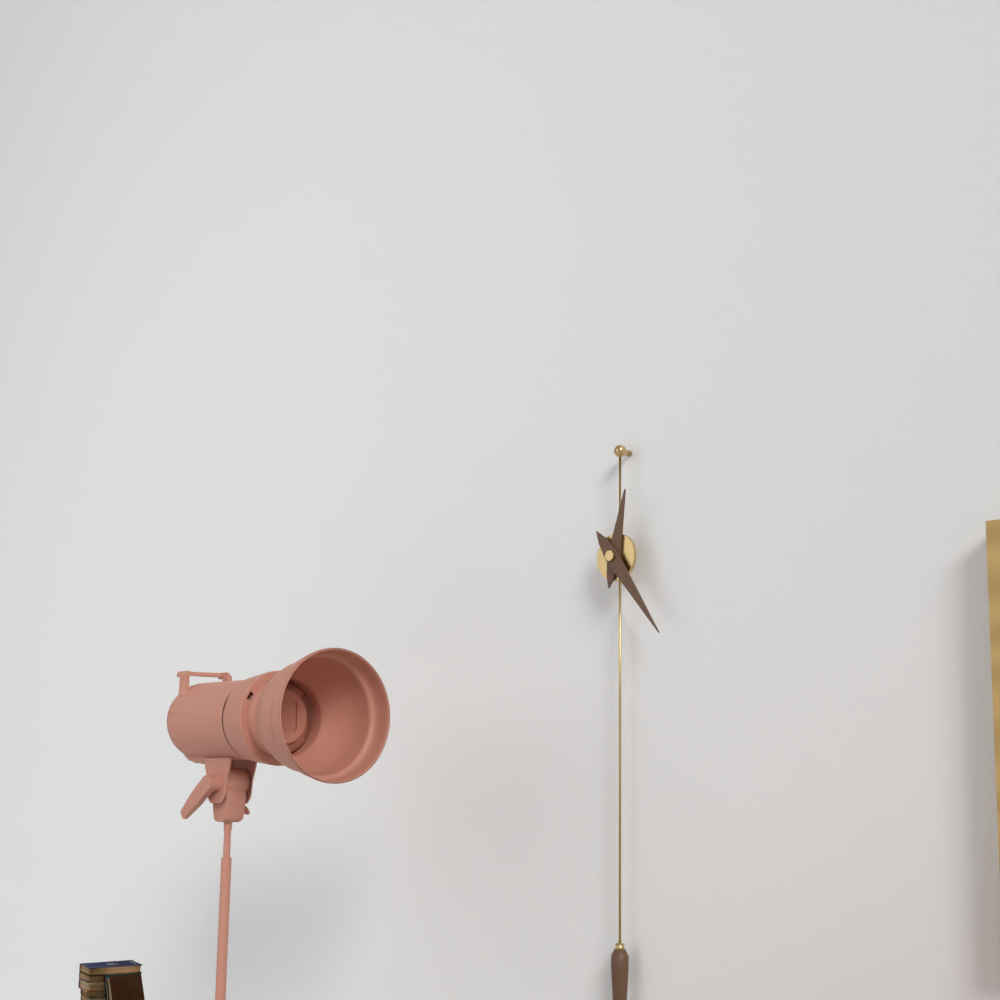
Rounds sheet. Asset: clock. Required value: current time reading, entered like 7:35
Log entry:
12:24
